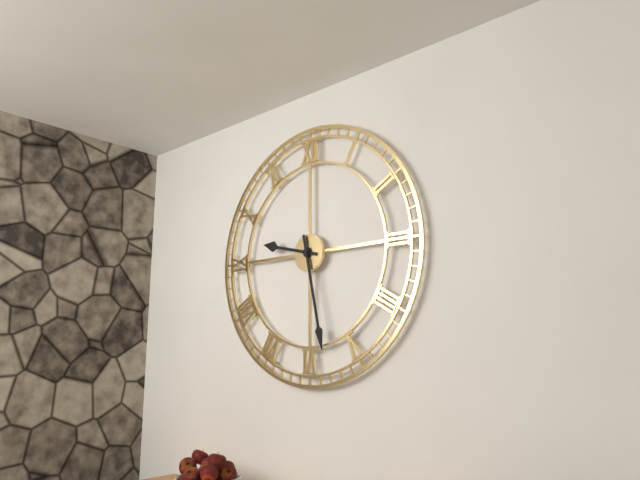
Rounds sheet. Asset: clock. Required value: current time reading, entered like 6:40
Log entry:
9:28
